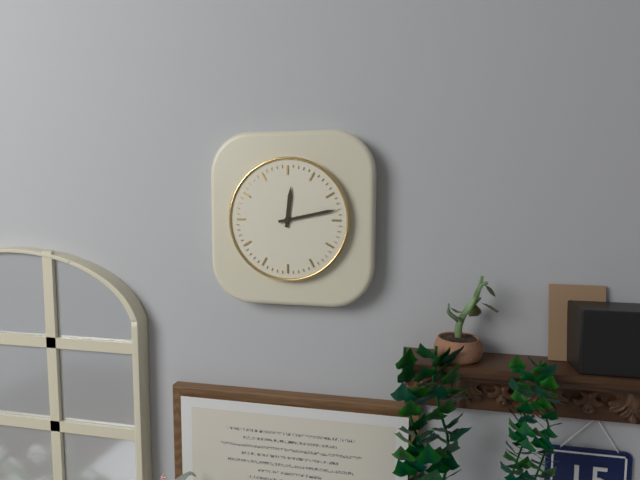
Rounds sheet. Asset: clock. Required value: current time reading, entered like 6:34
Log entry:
12:13
